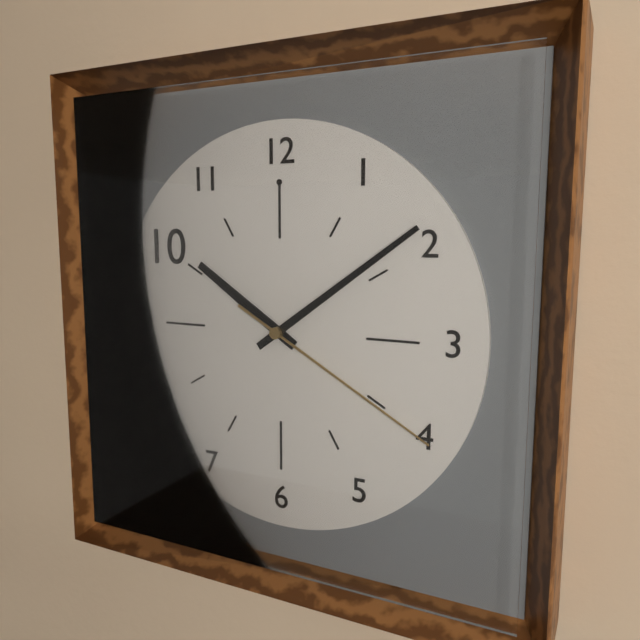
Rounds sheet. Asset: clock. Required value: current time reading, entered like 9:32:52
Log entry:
10:09:20
